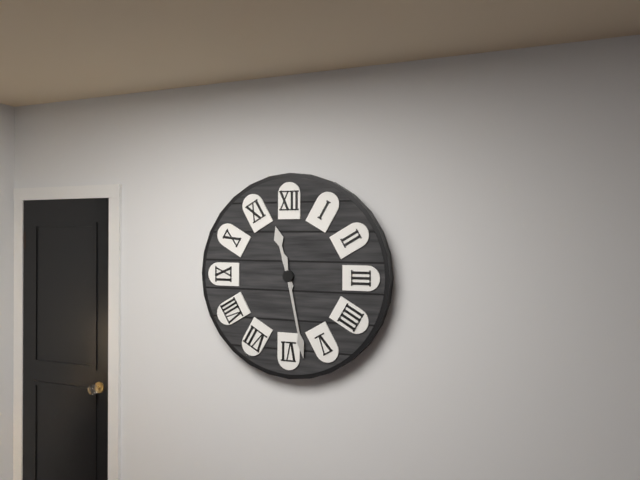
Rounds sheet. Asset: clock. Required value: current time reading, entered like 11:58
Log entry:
11:28
